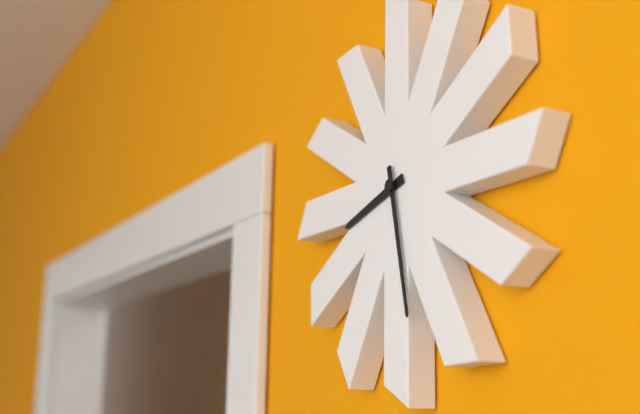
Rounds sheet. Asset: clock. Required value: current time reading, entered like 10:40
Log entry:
8:28
